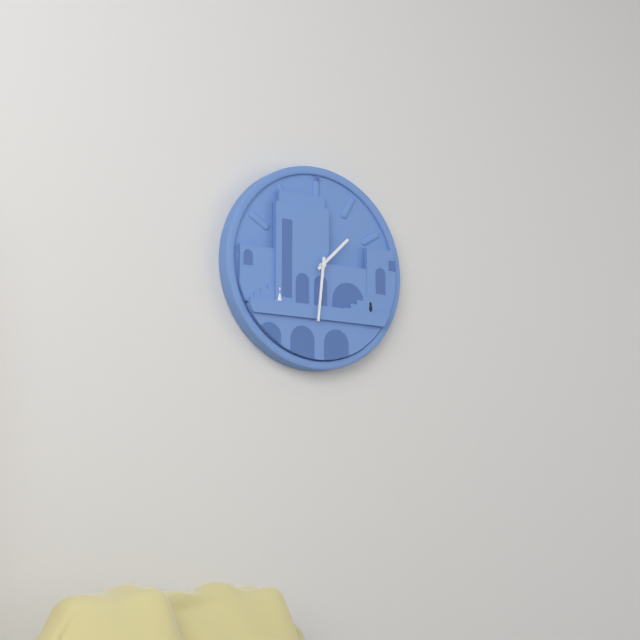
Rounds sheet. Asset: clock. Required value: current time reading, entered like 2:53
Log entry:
1:31
